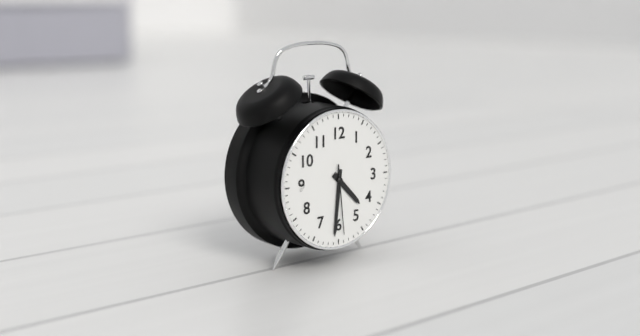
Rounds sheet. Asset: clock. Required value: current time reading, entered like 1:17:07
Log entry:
4:31:29
